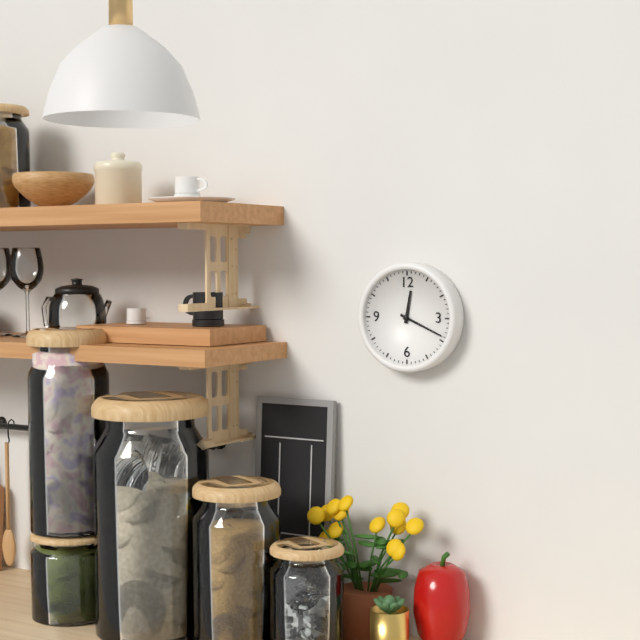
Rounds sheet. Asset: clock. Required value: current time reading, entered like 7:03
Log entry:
12:19
